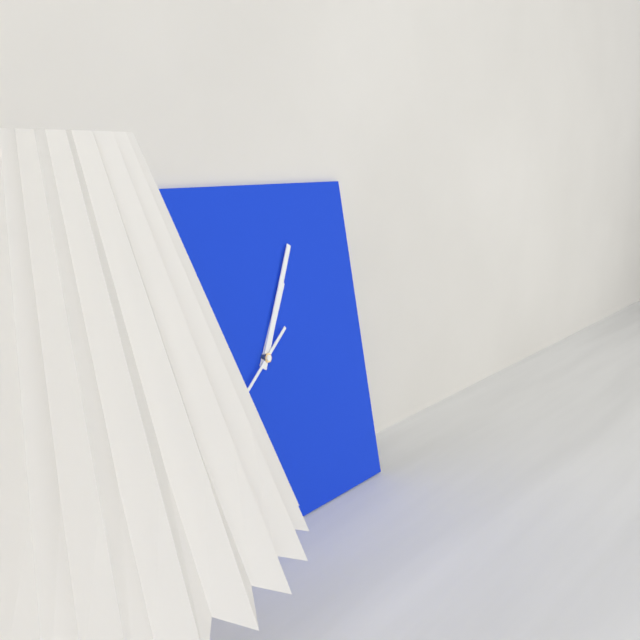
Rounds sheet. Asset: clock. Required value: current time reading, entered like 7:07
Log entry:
1:05
